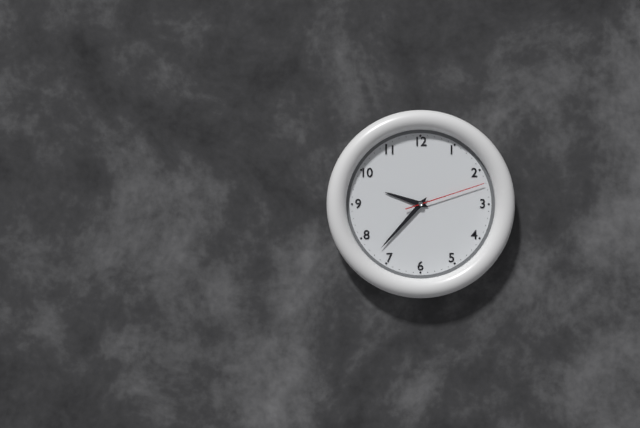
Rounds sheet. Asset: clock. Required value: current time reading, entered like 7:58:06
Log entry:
9:37:12
